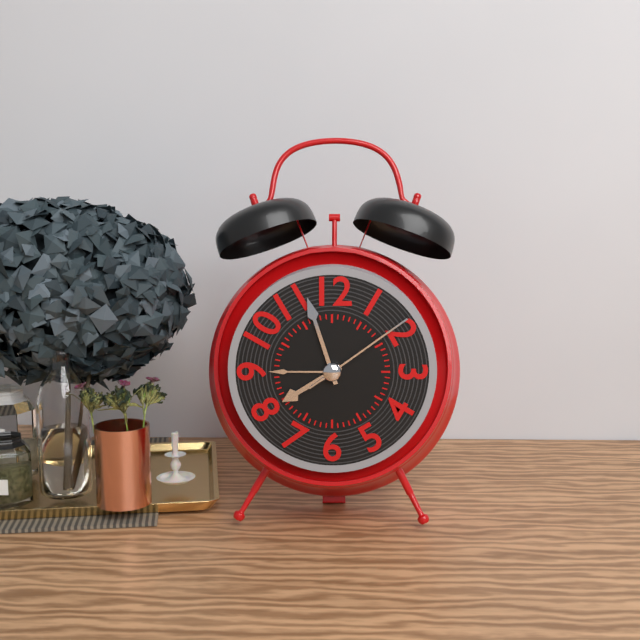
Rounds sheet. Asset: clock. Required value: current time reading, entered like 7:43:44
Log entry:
7:57:09
